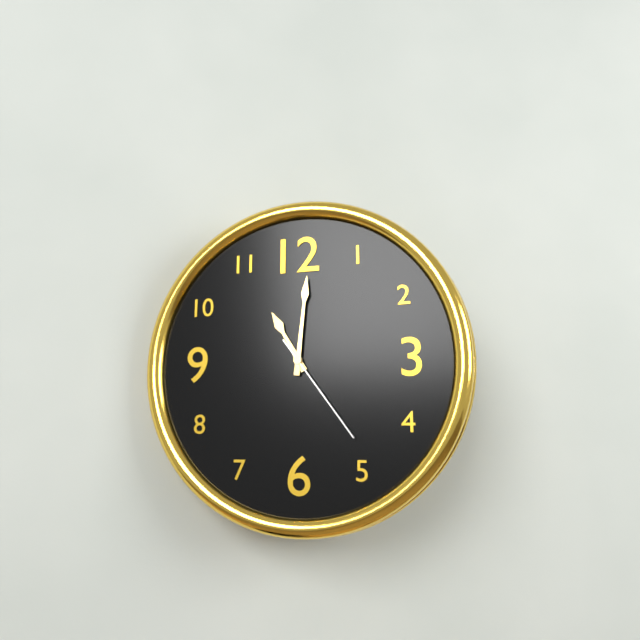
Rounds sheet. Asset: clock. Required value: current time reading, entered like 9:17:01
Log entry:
11:01:24
